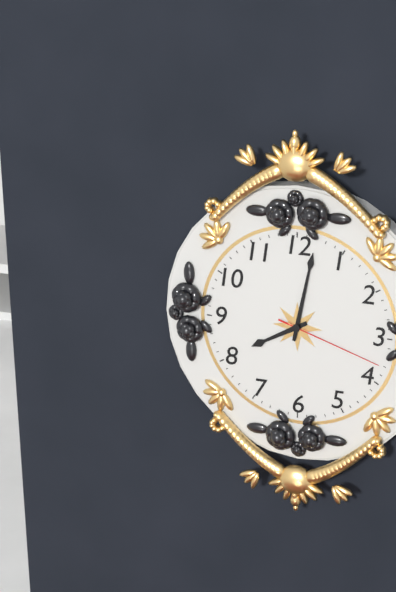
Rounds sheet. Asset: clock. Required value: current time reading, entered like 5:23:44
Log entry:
8:02:18
